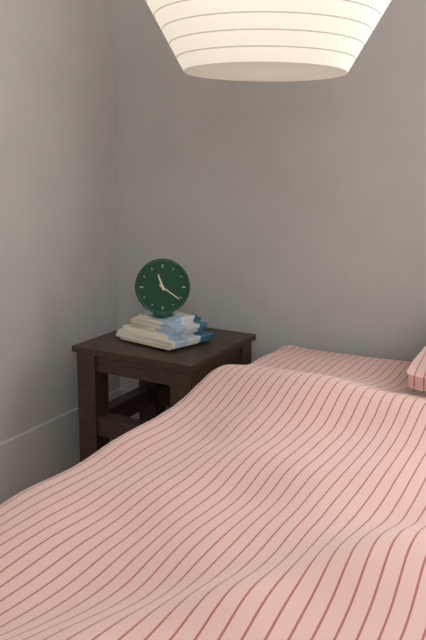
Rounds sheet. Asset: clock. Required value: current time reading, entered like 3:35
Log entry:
11:21
